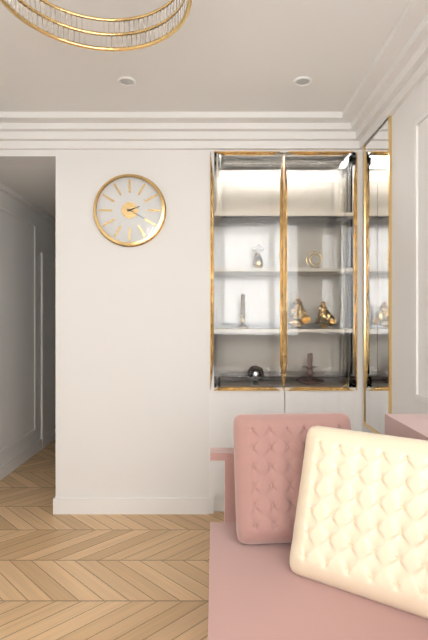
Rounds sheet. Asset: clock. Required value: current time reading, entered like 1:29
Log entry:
2:20
